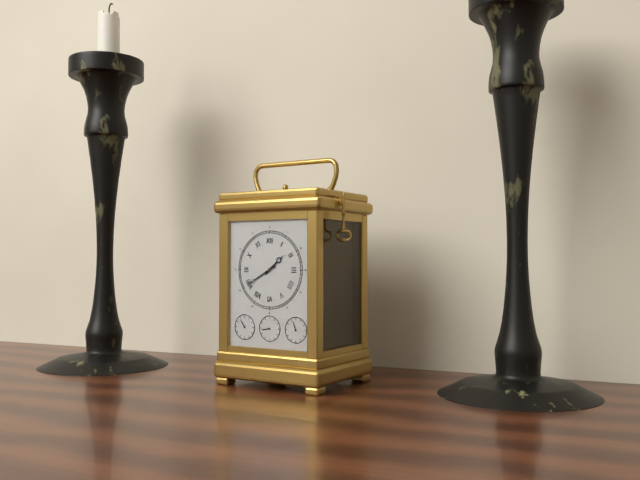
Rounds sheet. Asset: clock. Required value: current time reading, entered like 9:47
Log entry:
1:40
